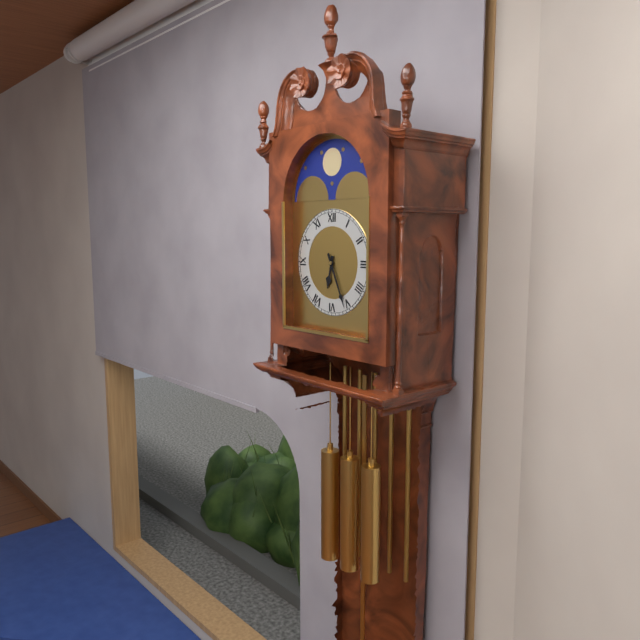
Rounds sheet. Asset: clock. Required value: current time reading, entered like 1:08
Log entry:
6:26
